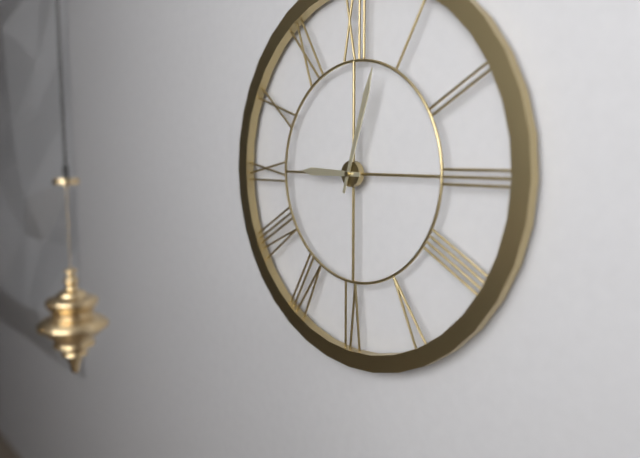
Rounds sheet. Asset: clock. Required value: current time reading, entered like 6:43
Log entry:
9:03
